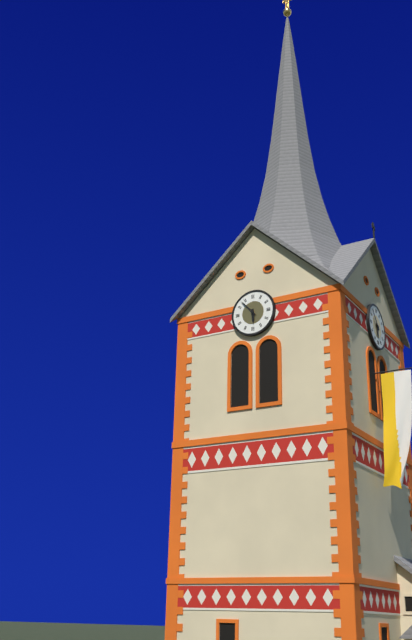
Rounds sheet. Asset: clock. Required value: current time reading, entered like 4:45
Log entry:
5:53
